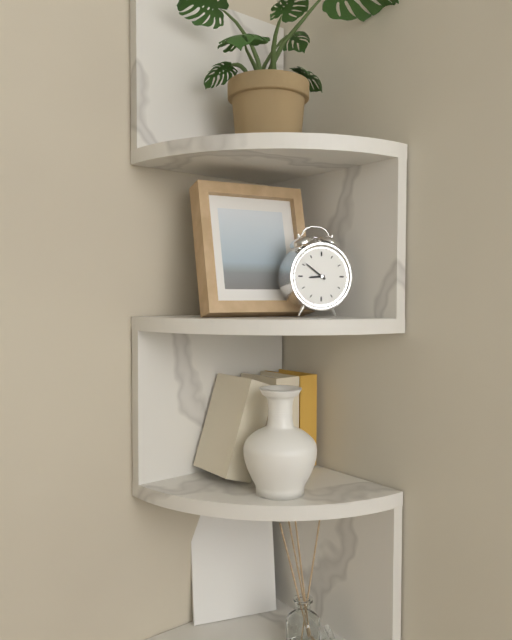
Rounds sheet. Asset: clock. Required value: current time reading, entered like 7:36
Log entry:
8:51
